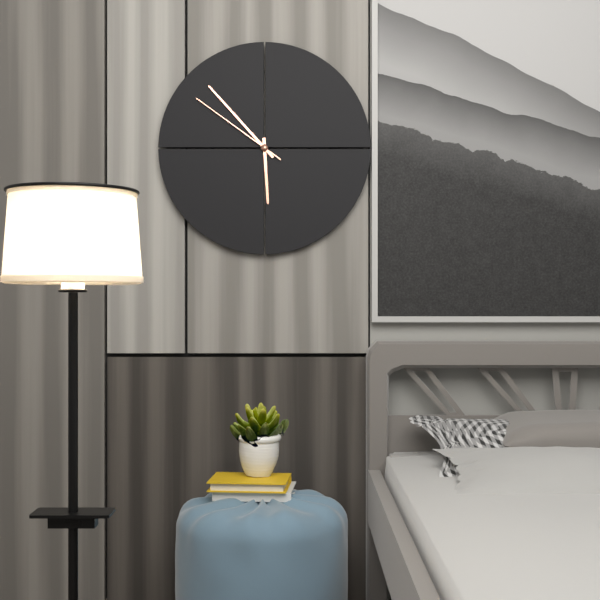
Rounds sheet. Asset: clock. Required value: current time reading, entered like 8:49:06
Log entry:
5:53:51
